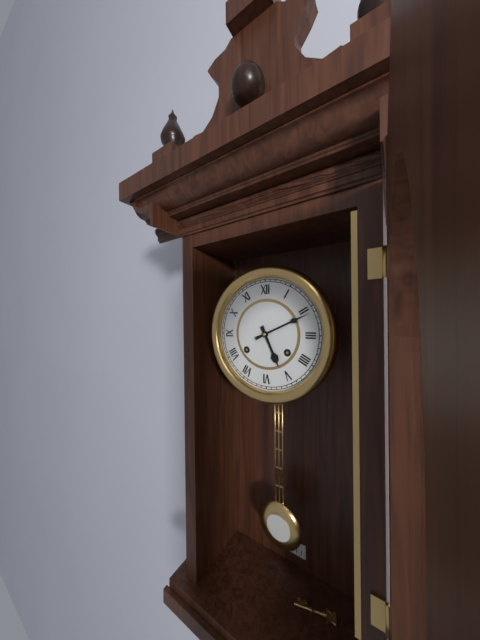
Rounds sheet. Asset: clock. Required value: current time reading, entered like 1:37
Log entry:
5:11
